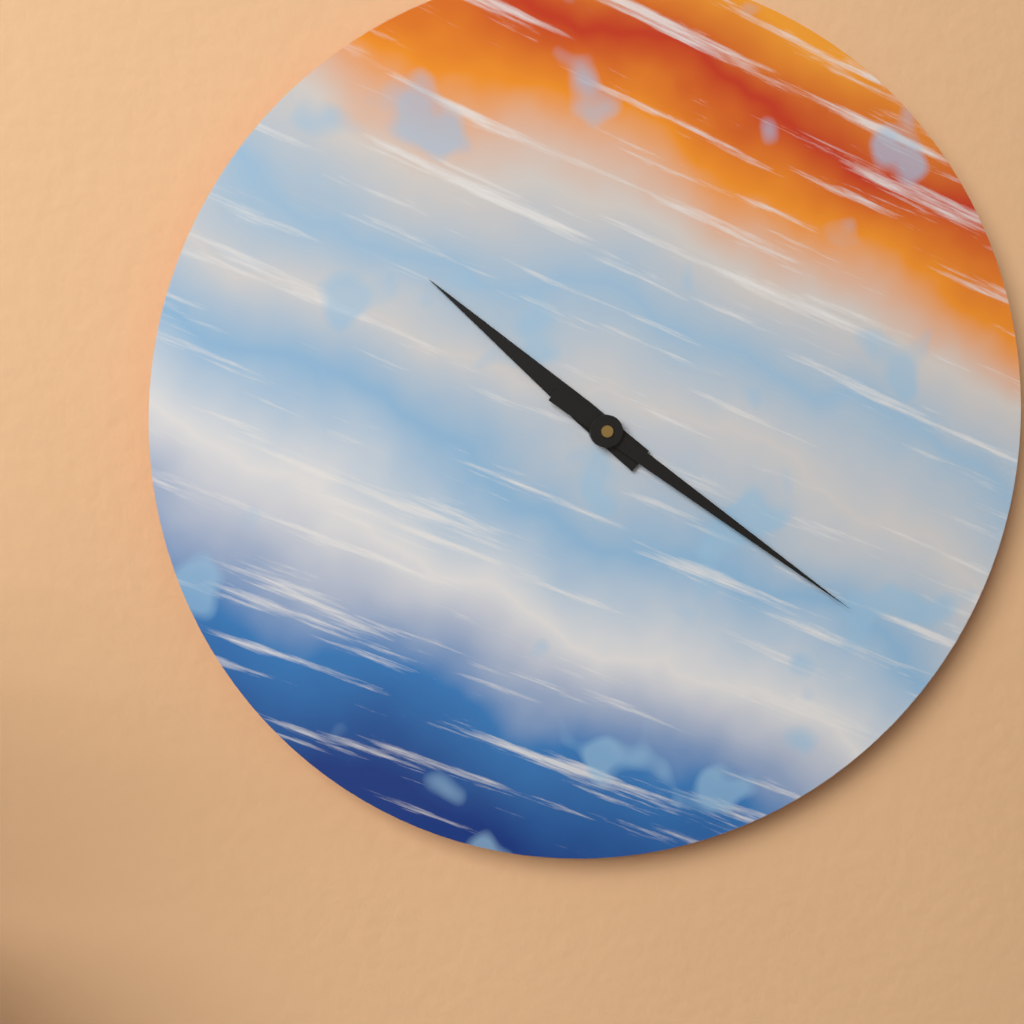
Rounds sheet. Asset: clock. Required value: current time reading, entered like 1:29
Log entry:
10:21
